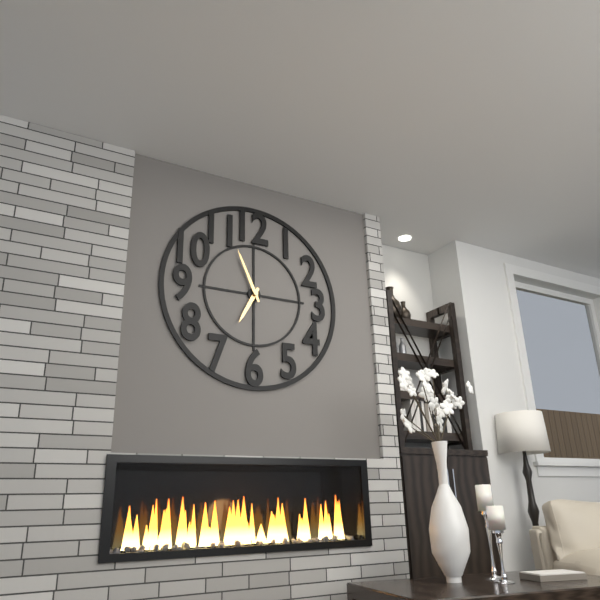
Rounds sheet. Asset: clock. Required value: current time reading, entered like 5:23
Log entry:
6:56
